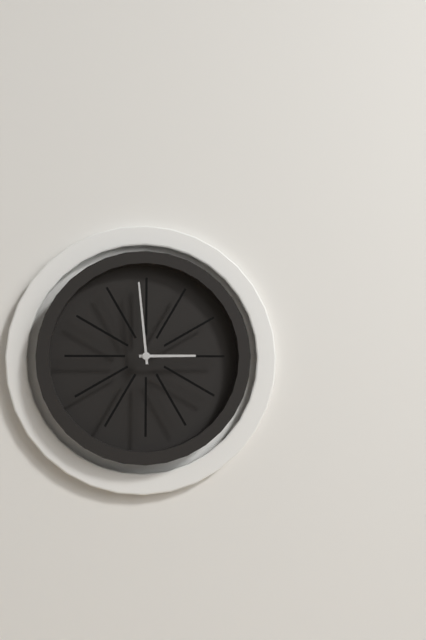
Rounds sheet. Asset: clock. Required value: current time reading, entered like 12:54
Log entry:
2:59
